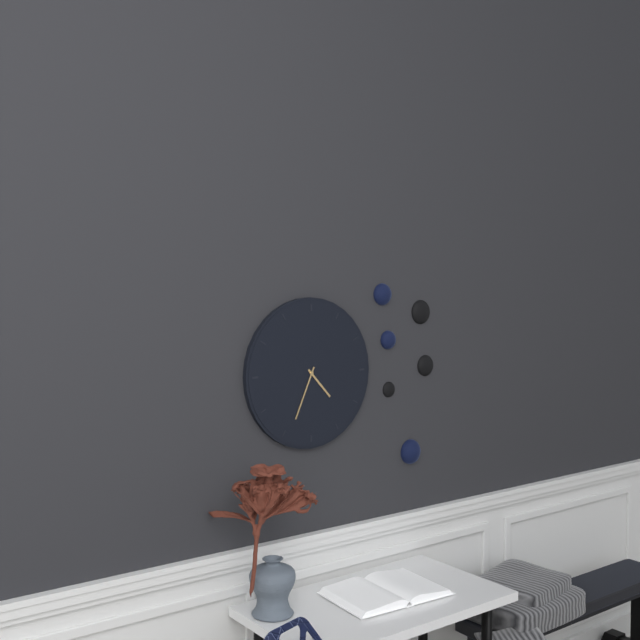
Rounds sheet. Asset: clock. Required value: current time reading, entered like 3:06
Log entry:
4:34
